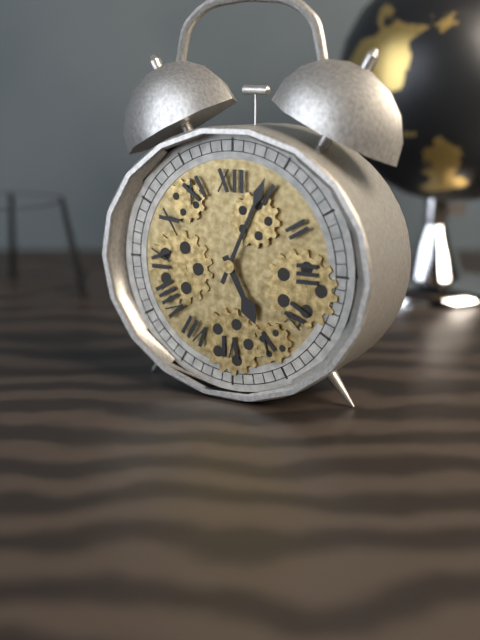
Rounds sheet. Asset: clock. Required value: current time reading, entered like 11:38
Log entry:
5:04
